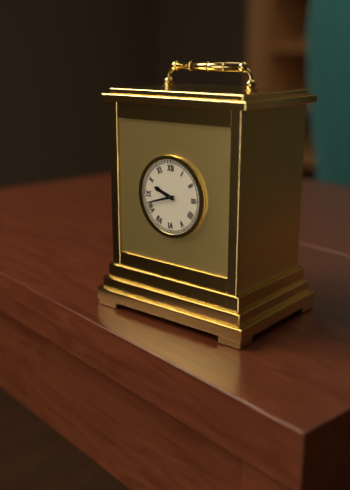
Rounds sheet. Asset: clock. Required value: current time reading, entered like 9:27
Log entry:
9:42
